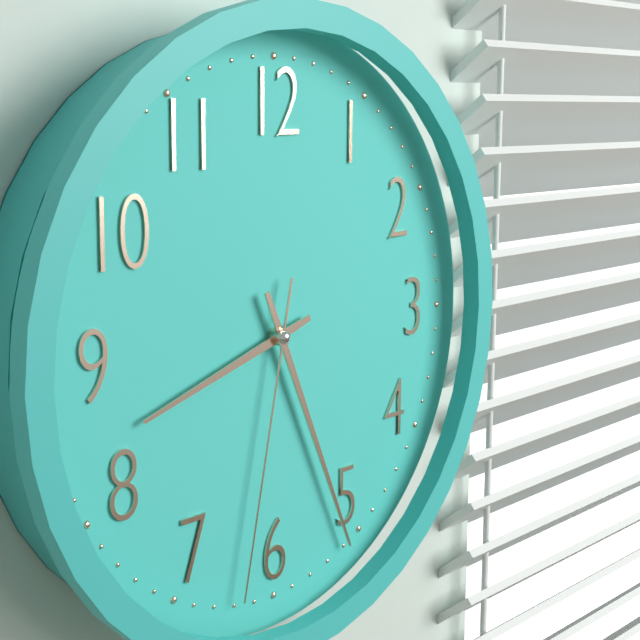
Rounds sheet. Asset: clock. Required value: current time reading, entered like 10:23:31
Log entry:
8:26:32
